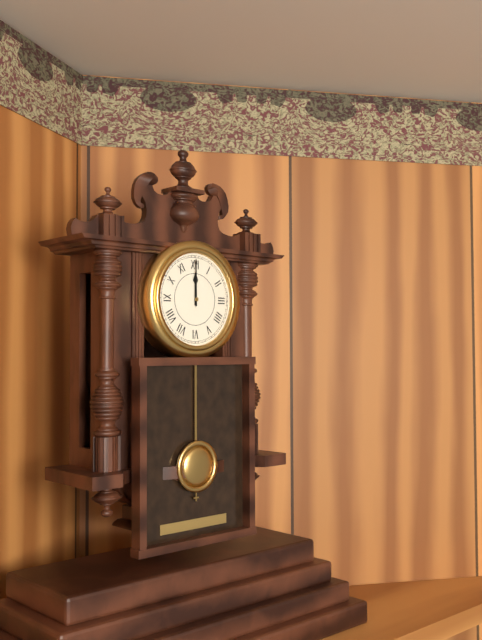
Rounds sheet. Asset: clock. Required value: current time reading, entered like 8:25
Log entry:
12:00
